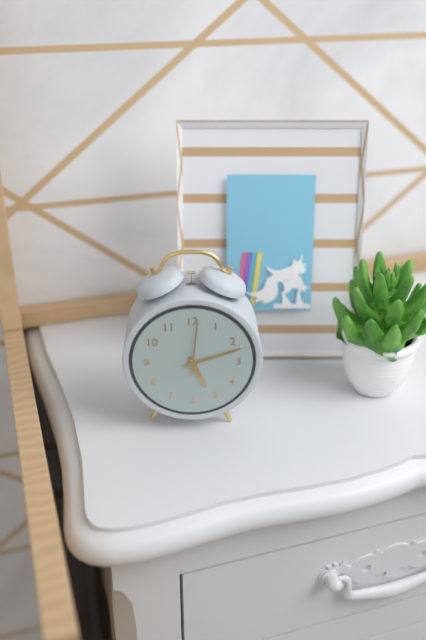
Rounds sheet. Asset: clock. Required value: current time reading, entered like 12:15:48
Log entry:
5:12:01
